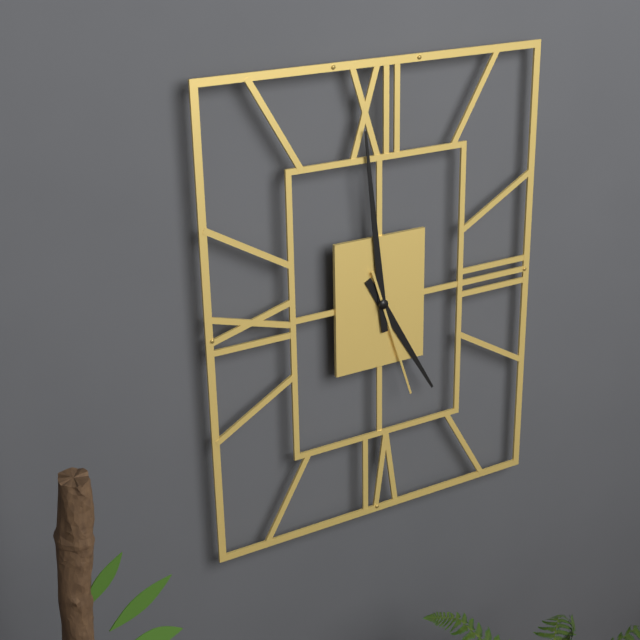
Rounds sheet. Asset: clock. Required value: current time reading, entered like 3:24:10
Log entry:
4:59:27
